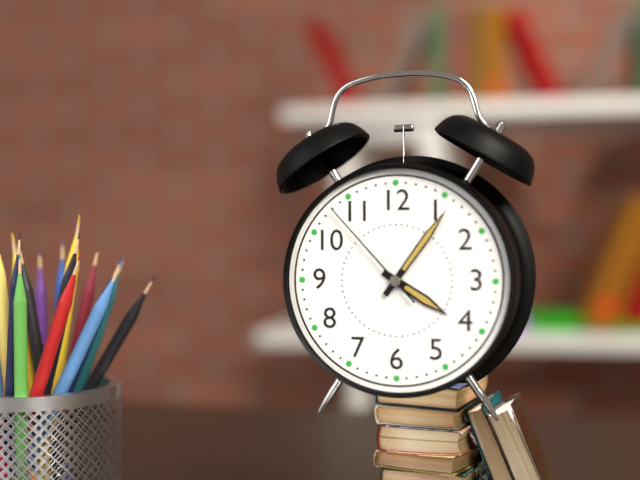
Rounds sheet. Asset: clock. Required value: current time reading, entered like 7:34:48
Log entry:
4:06:53
